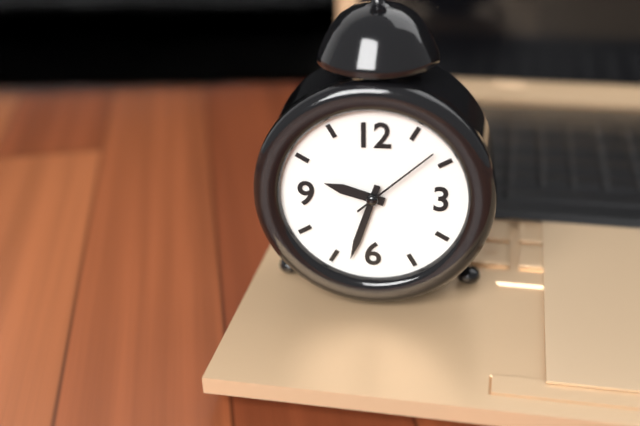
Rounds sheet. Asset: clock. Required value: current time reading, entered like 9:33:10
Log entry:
9:33:08
